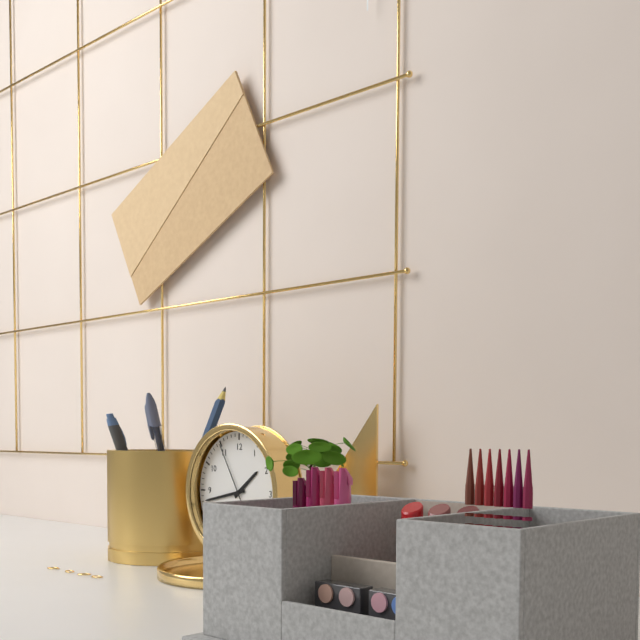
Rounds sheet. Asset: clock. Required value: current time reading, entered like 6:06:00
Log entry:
1:43:55
